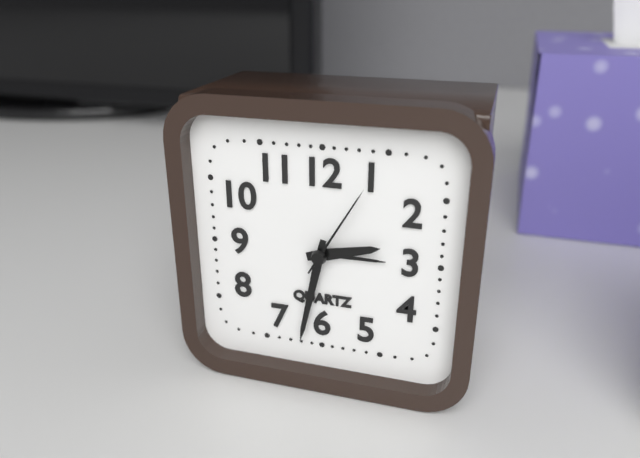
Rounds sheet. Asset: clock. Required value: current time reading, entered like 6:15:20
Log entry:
2:32:05
